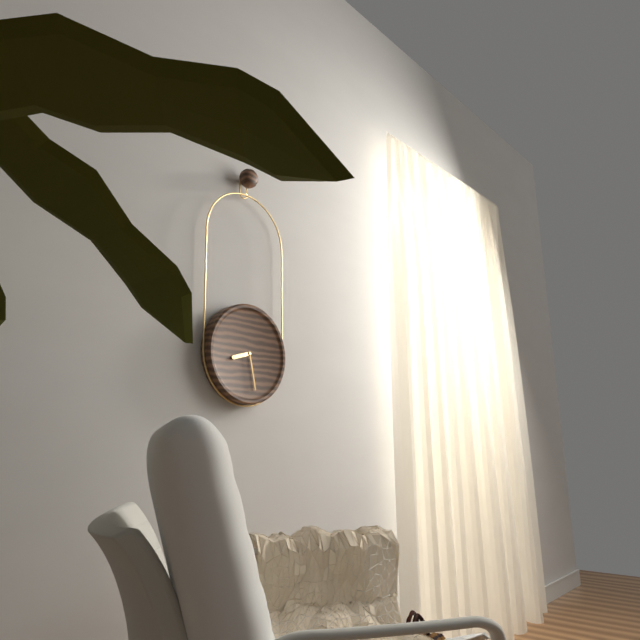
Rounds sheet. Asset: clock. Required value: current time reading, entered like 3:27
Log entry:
8:28
